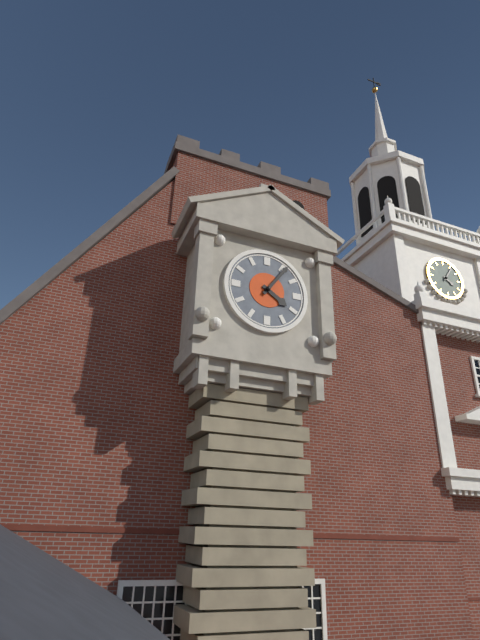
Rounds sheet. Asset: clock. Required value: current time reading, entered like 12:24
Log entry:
4:06
